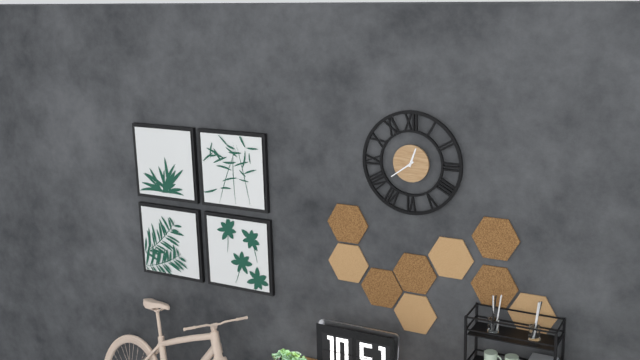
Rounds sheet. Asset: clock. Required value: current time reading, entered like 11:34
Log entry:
12:39
